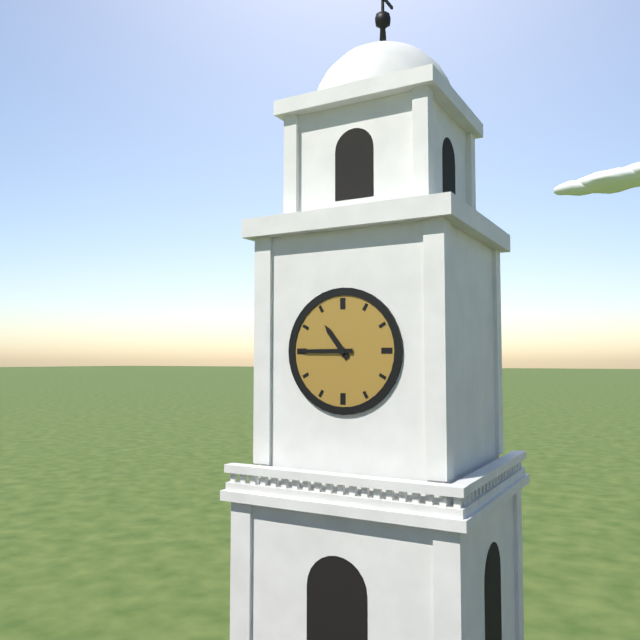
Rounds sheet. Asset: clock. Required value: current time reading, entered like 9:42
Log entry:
10:45
